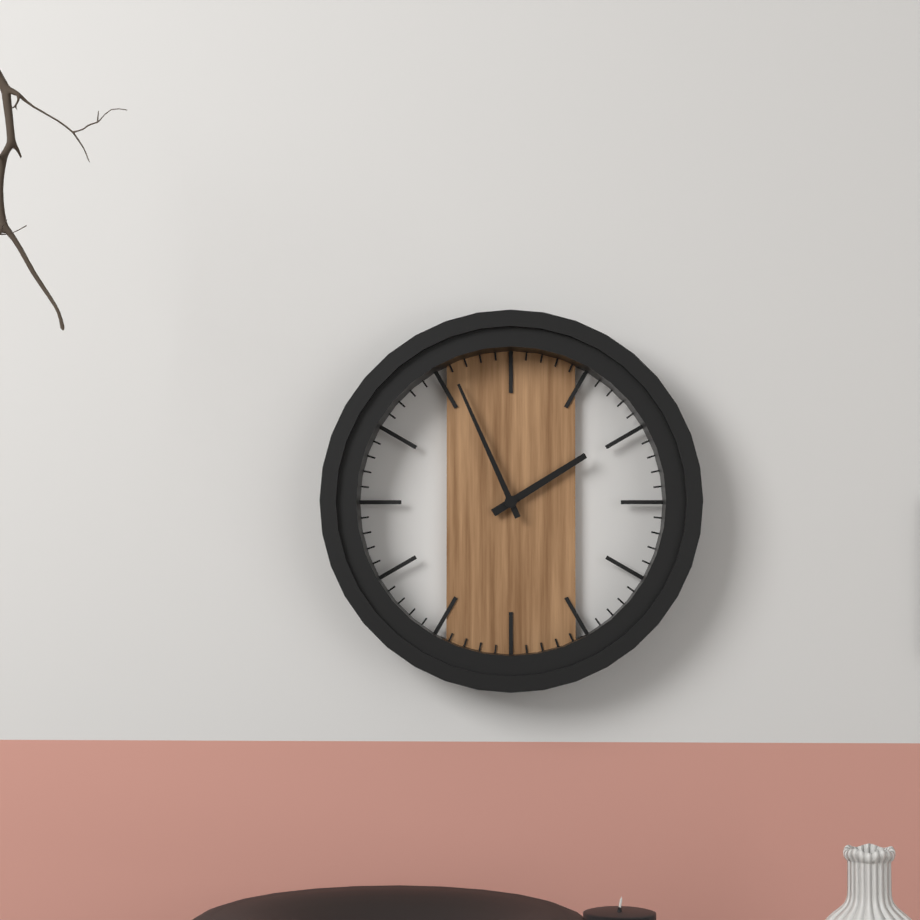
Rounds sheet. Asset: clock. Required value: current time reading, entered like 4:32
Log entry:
1:56
